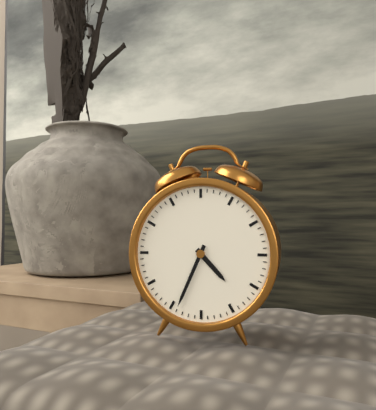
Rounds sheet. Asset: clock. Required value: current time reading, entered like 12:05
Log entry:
4:34
